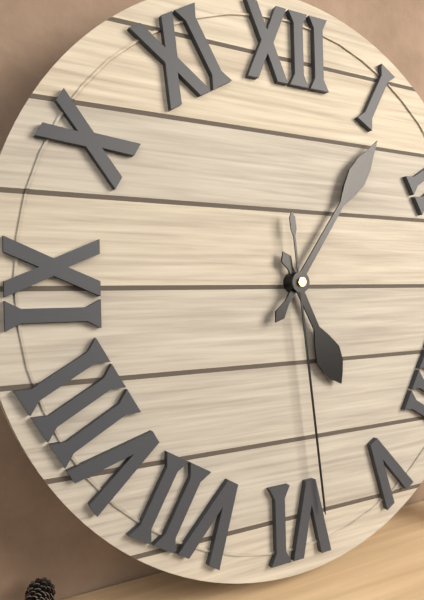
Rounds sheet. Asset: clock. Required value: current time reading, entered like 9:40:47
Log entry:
5:06:29
